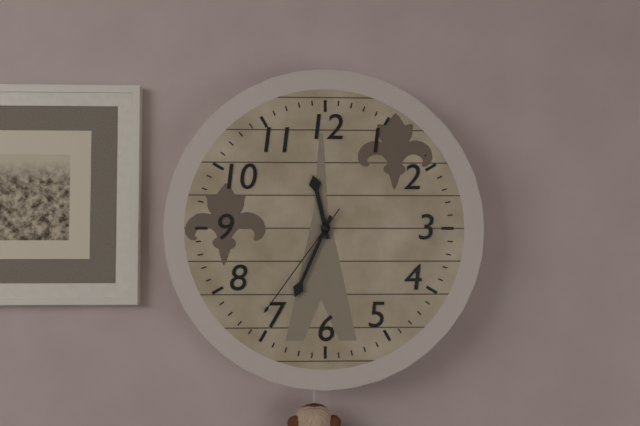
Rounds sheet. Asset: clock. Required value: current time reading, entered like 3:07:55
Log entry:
11:34:36
